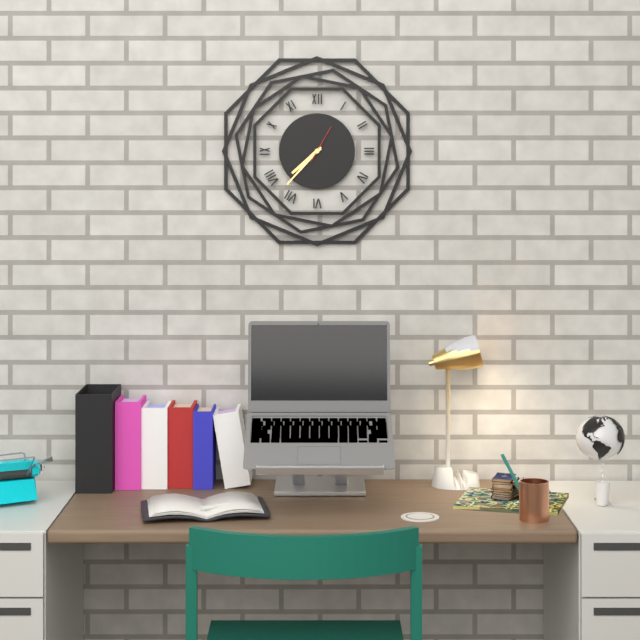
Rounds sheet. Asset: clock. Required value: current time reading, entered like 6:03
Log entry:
7:37
